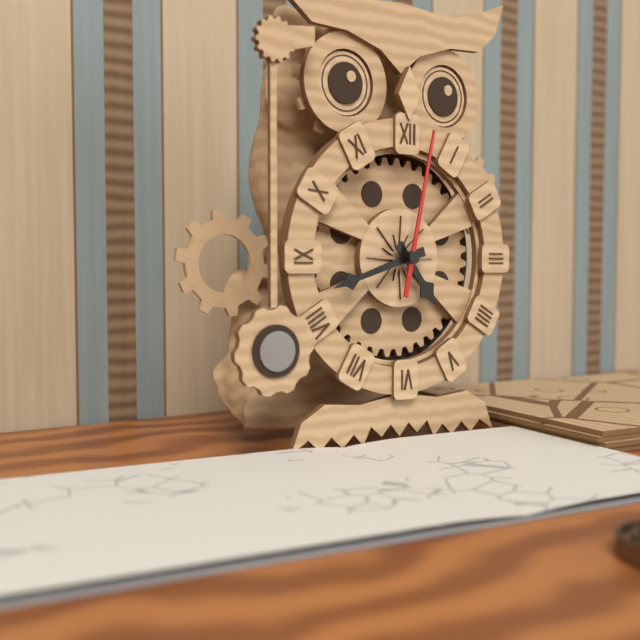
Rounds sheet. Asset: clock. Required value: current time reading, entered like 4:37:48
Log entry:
4:42:02
